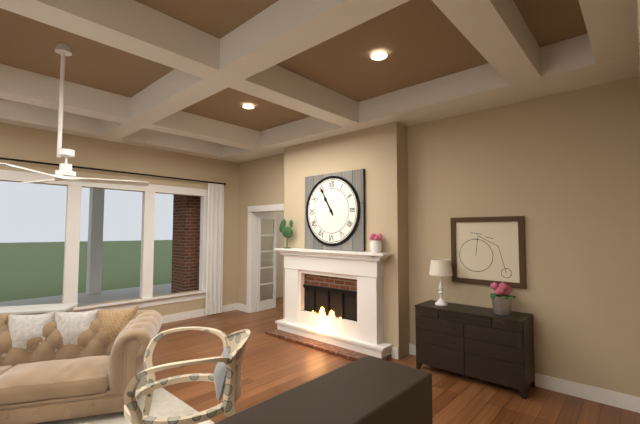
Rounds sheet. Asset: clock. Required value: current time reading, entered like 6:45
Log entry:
10:55
